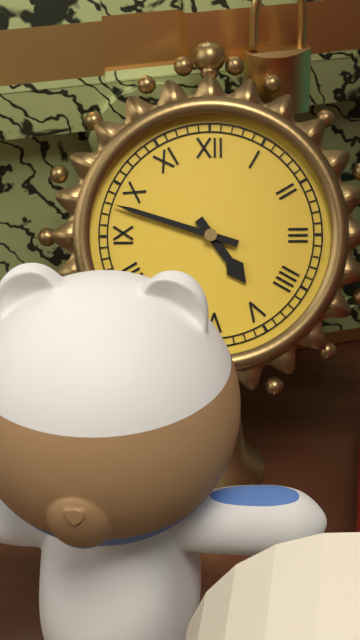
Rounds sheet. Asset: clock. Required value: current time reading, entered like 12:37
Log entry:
4:48
